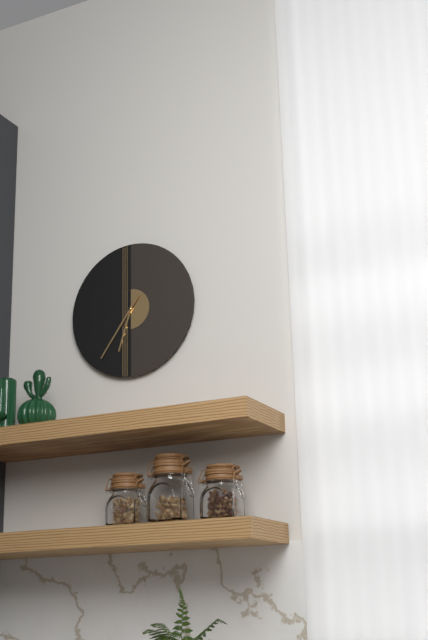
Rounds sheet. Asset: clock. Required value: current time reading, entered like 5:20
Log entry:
6:36
